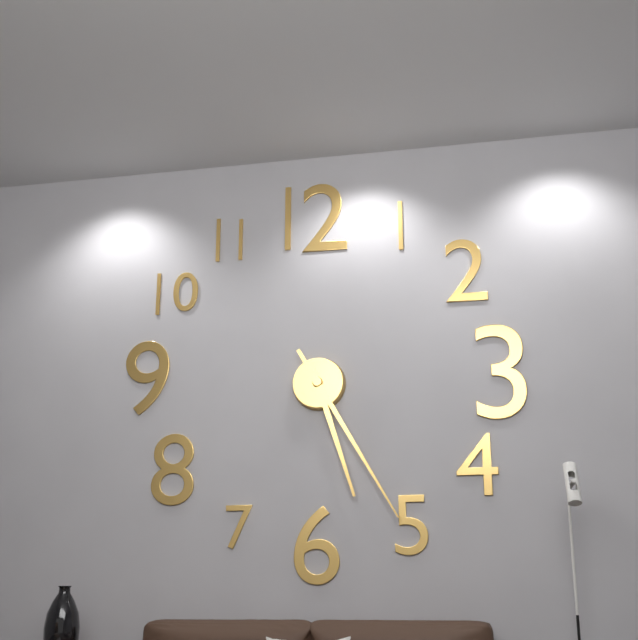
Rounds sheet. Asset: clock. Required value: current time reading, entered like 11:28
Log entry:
5:25
